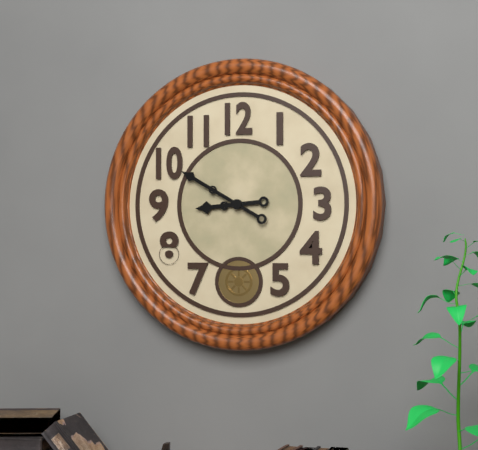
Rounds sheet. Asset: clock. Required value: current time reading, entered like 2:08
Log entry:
8:50
